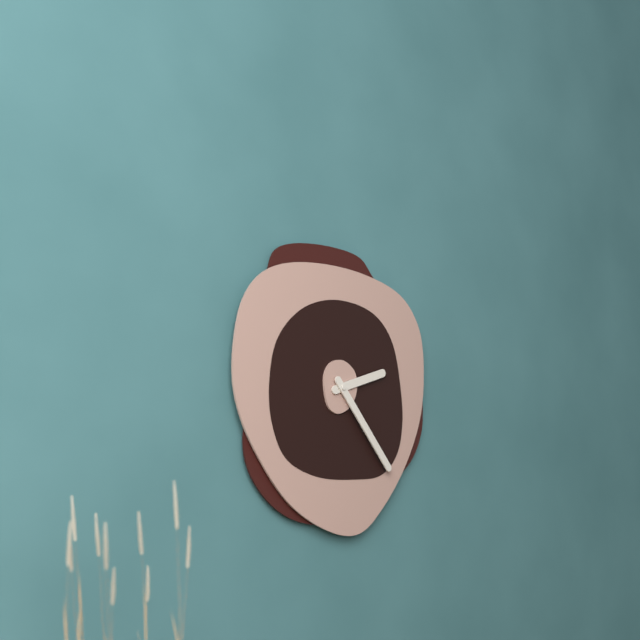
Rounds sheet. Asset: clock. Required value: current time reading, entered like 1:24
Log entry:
2:23
